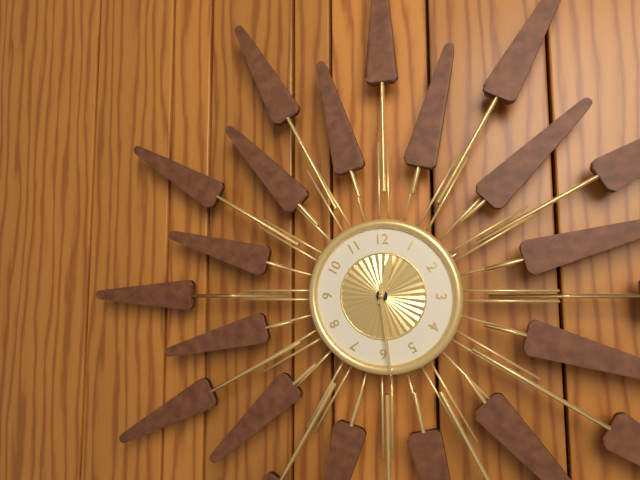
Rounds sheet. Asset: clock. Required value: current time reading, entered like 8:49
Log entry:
12:29
